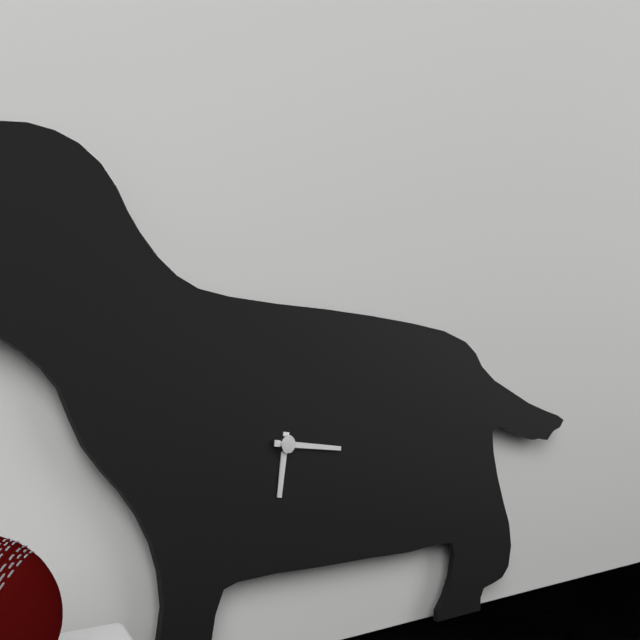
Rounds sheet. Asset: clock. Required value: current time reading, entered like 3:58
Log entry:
6:16
